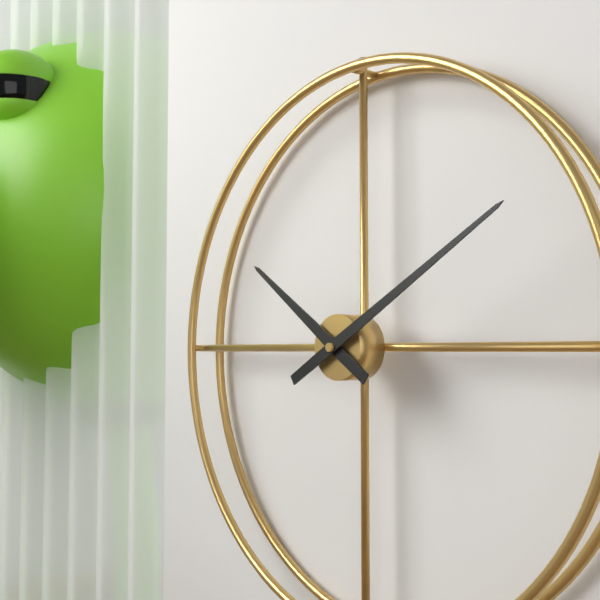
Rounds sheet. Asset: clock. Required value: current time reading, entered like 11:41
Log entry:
10:10
